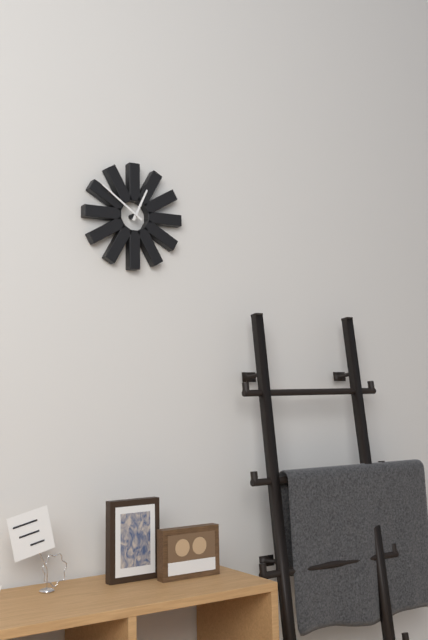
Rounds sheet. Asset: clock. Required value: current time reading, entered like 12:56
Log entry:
12:51
